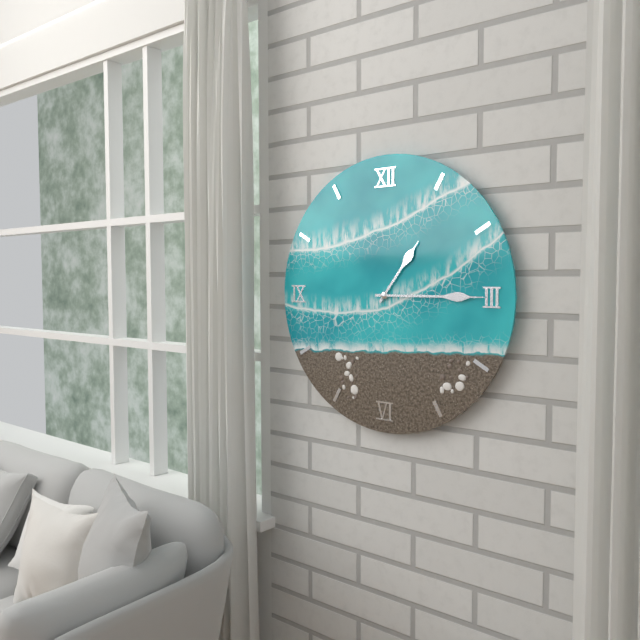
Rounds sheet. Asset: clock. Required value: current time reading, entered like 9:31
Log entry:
1:15
